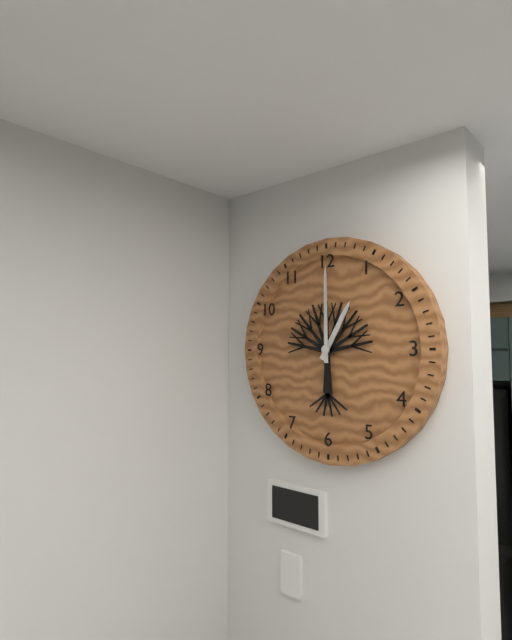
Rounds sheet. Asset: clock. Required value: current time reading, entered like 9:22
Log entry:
1:00
